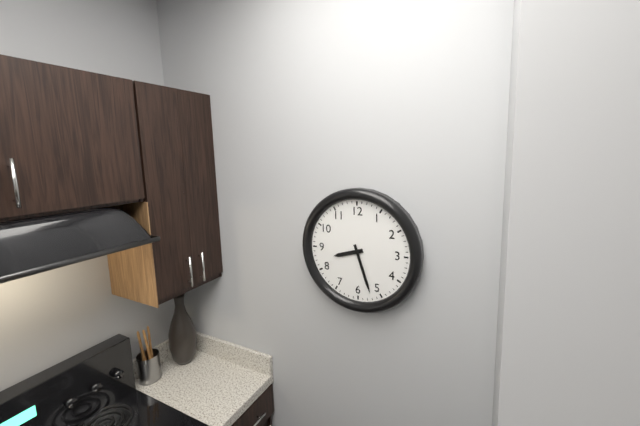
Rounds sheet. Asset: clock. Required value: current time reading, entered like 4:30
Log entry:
8:27
